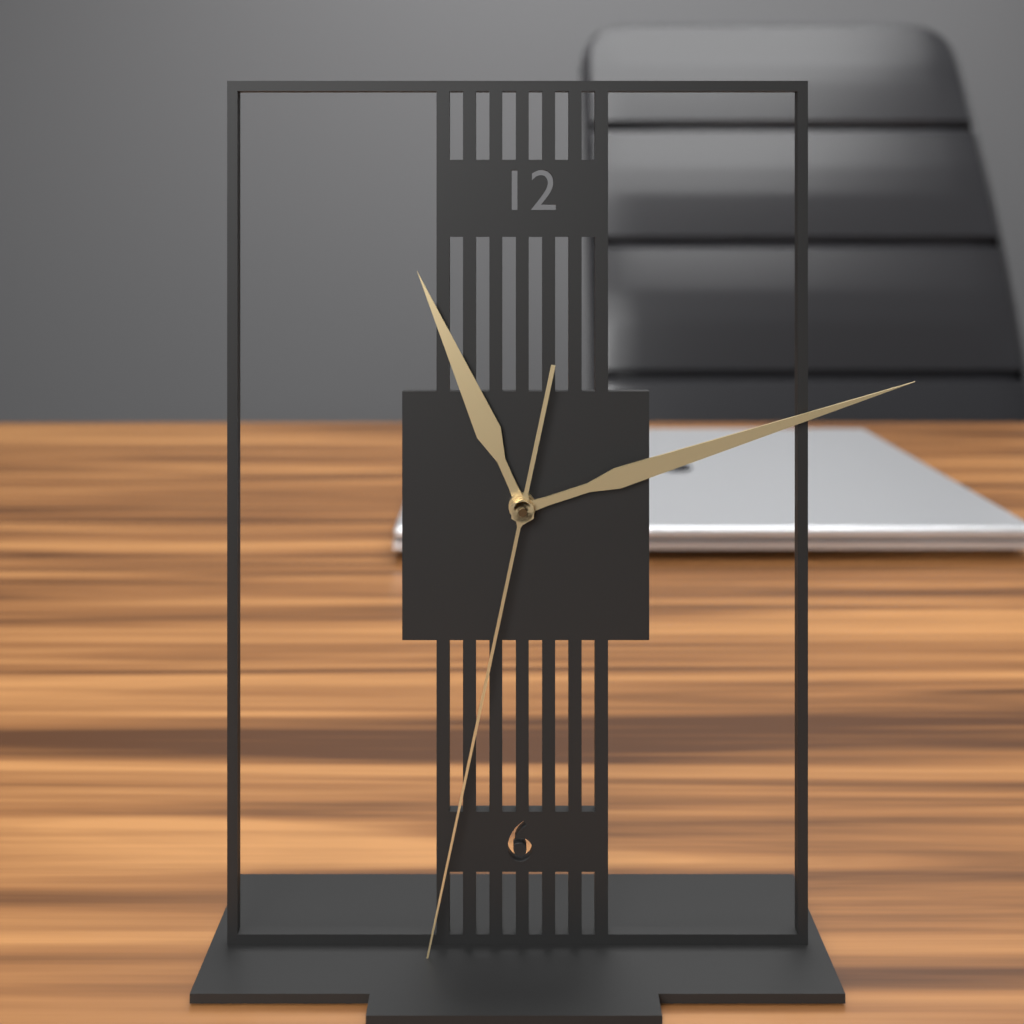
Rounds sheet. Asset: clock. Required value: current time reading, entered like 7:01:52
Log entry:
11:12:32
